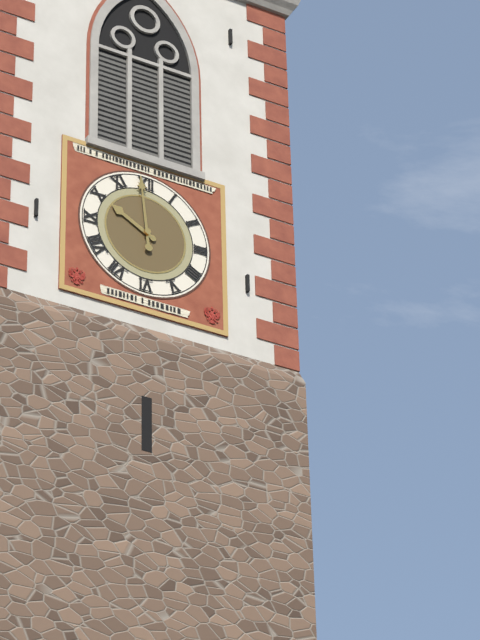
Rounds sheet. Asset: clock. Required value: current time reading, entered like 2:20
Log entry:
9:59
